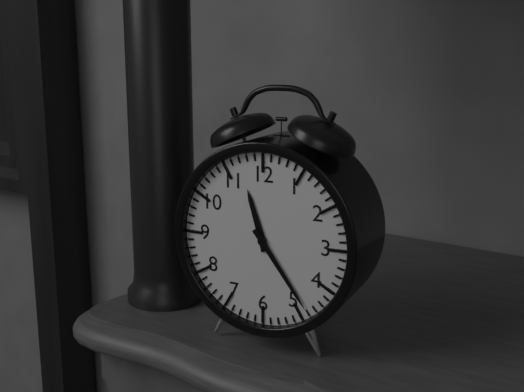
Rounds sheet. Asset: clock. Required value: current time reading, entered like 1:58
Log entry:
11:24
